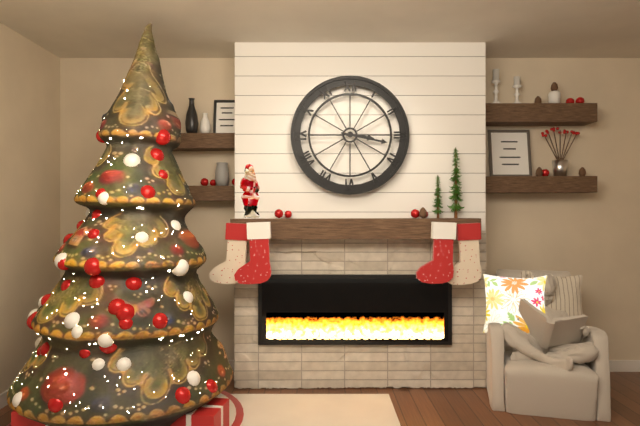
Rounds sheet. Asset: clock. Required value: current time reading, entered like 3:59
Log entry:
3:17
